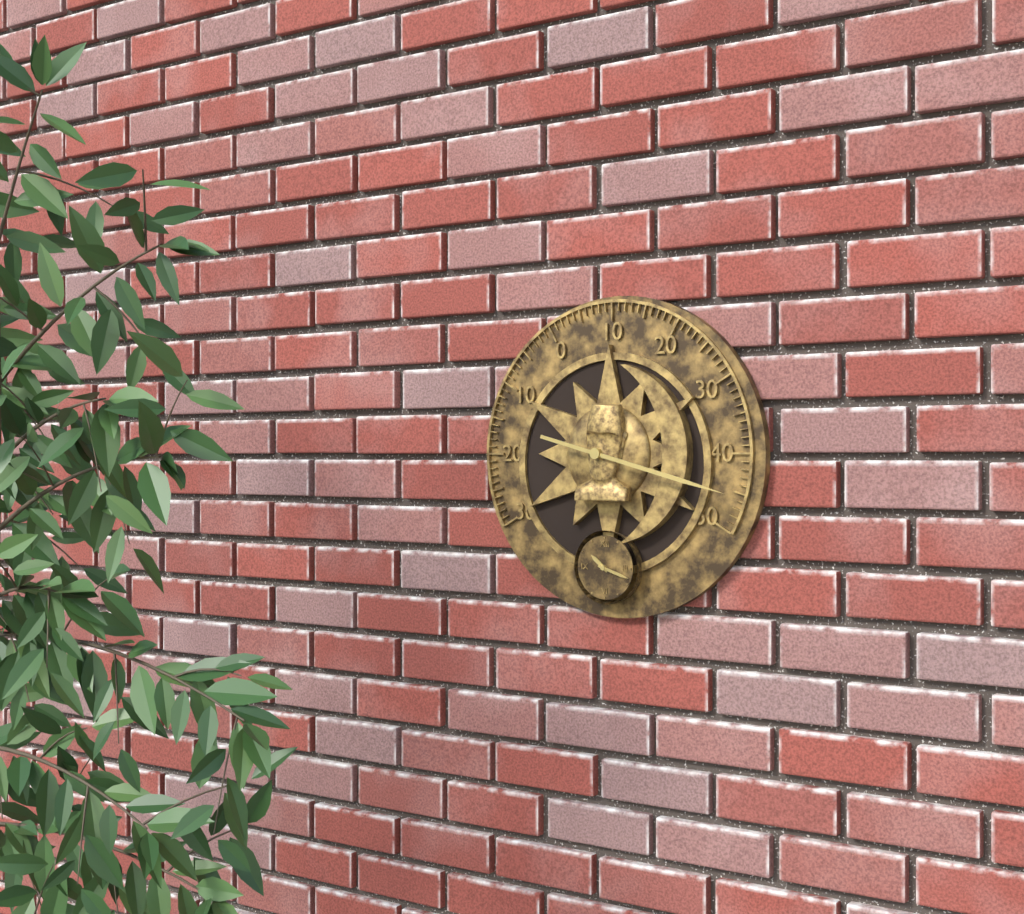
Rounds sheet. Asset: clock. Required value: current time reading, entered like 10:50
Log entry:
10:18
